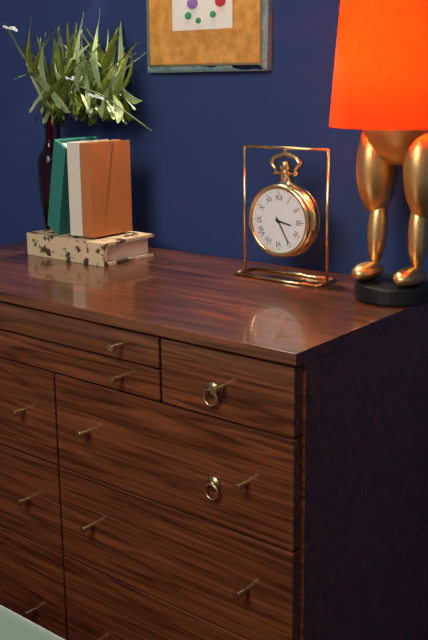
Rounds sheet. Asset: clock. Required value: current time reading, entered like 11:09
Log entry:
3:25
